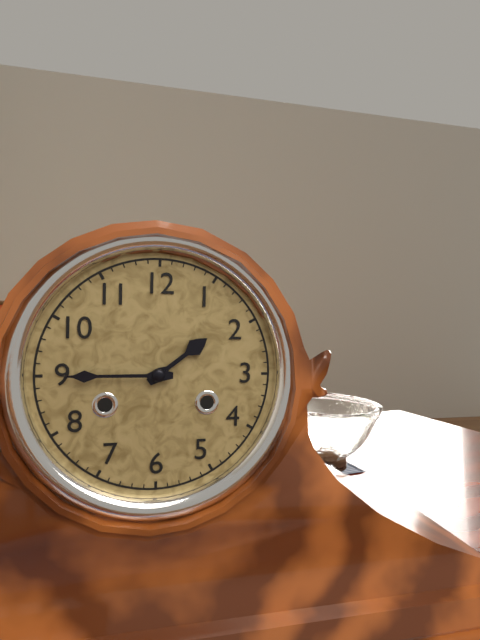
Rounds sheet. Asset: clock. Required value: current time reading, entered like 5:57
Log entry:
1:45
